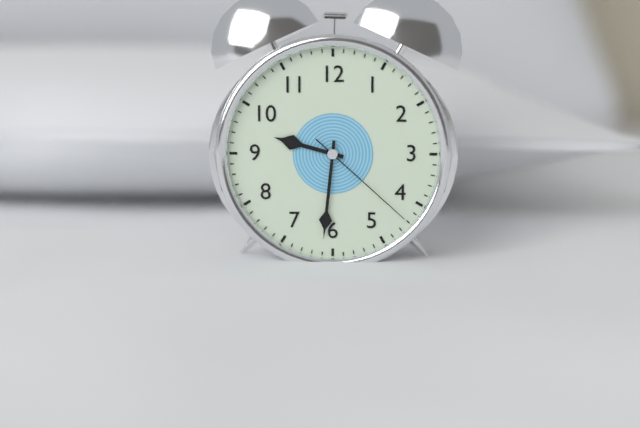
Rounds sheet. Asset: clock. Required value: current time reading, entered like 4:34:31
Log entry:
9:31:22
